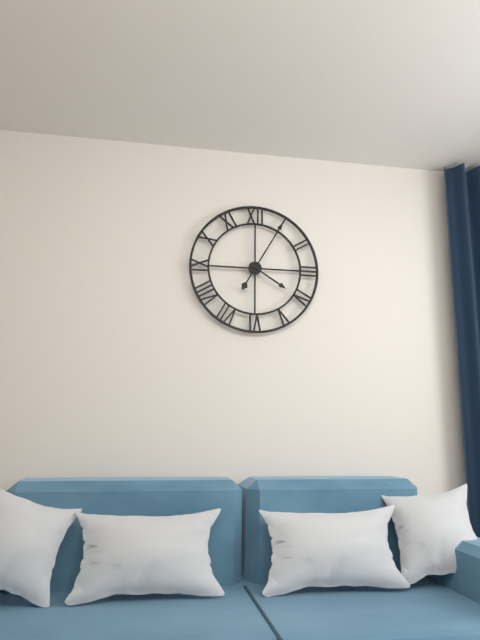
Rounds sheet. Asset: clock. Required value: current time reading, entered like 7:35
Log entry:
4:05
